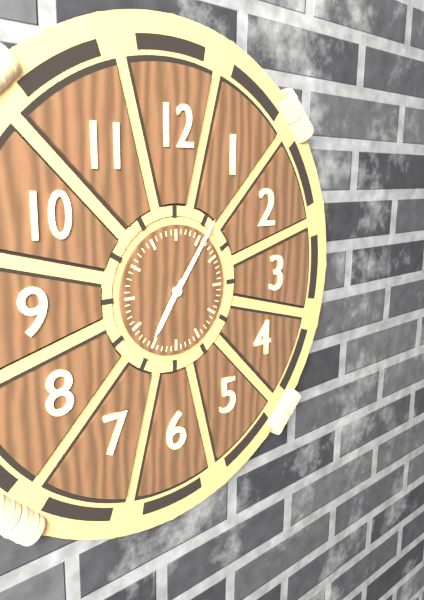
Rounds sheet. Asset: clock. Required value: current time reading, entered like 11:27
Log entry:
7:06
